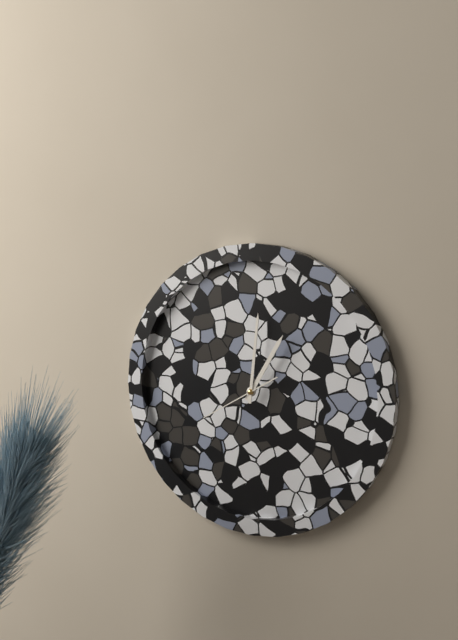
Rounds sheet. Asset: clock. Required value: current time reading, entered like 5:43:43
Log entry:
1:01:40
